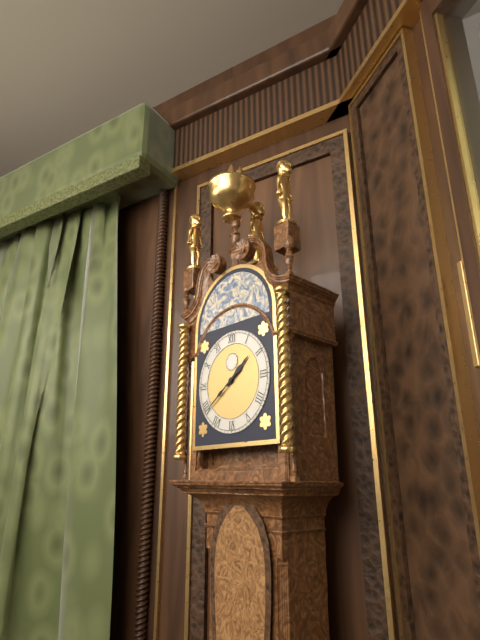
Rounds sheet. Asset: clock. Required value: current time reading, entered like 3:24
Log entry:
1:39
